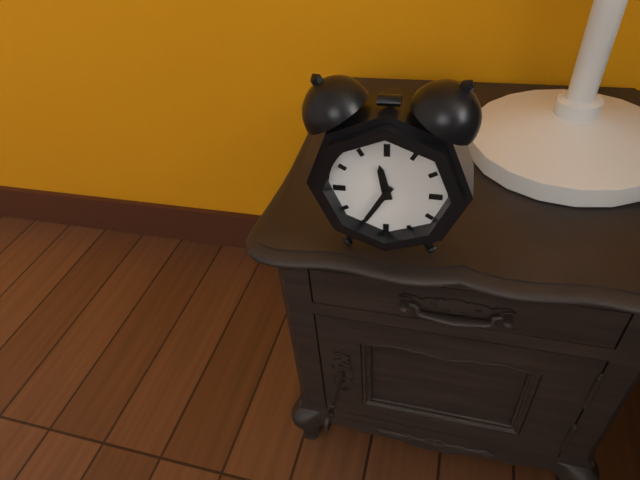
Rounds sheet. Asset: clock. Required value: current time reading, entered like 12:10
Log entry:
11:35
